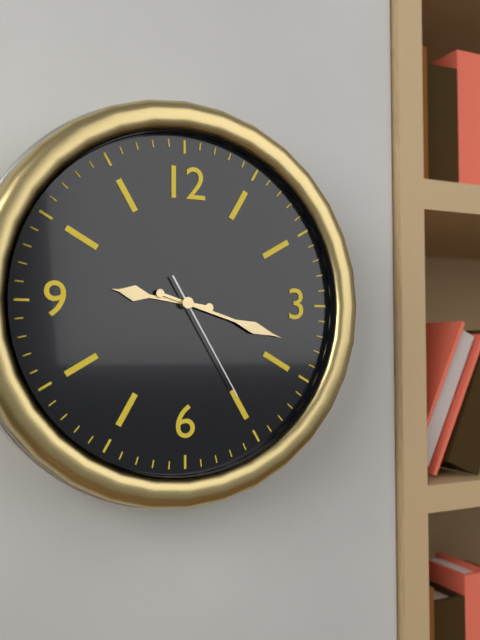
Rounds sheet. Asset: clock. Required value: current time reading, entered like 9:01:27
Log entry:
9:18:25
